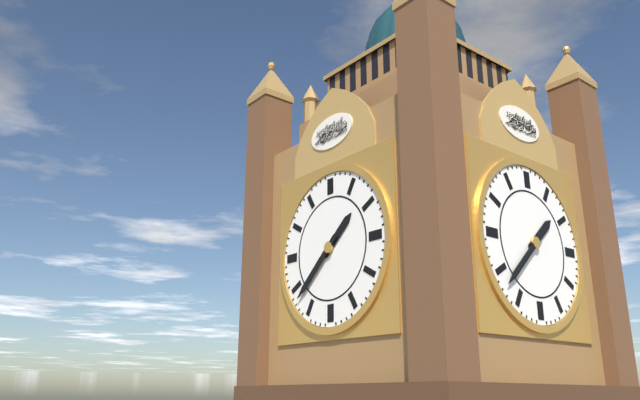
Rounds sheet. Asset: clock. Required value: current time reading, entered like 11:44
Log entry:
1:38
